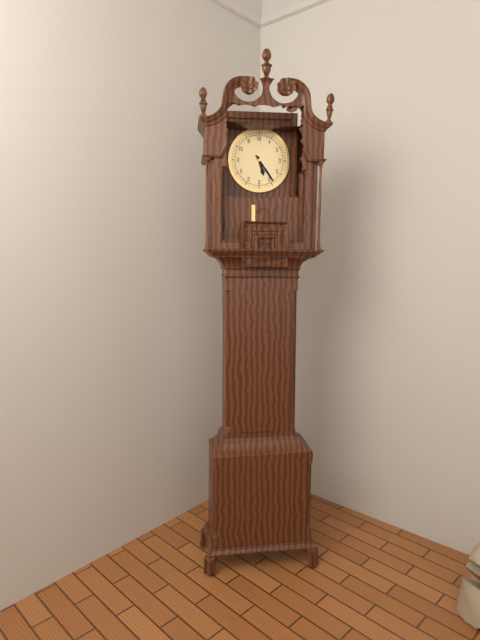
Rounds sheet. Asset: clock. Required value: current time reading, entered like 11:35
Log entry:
5:24
